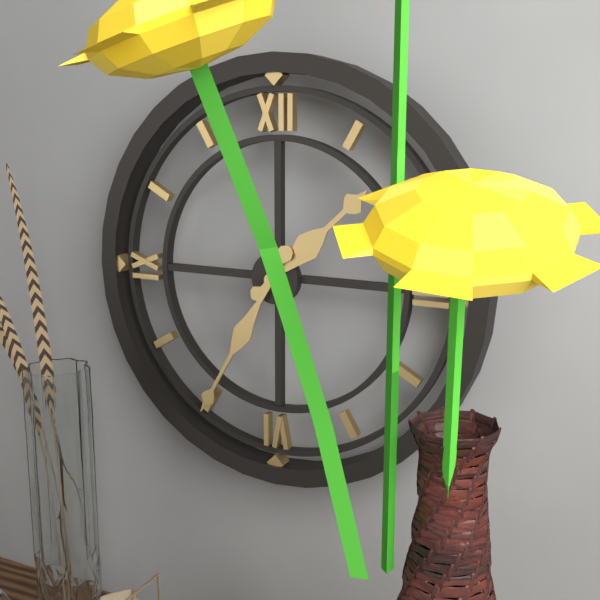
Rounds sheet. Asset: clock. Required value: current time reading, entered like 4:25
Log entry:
1:35
